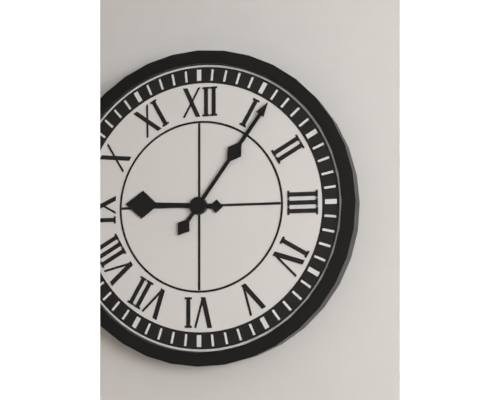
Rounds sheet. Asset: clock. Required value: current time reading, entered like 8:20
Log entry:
9:06
